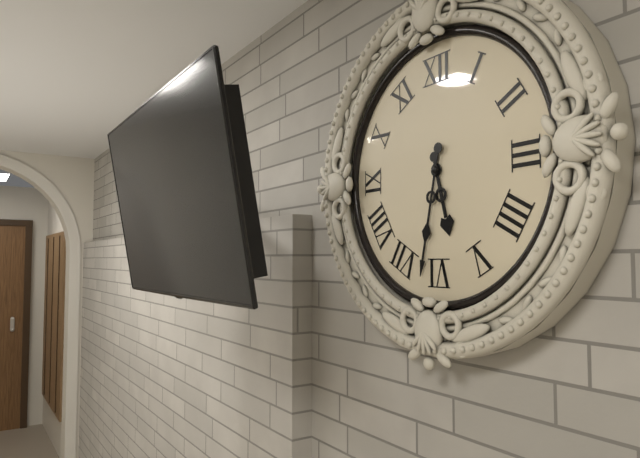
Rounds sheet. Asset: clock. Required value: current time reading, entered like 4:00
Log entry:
5:32
